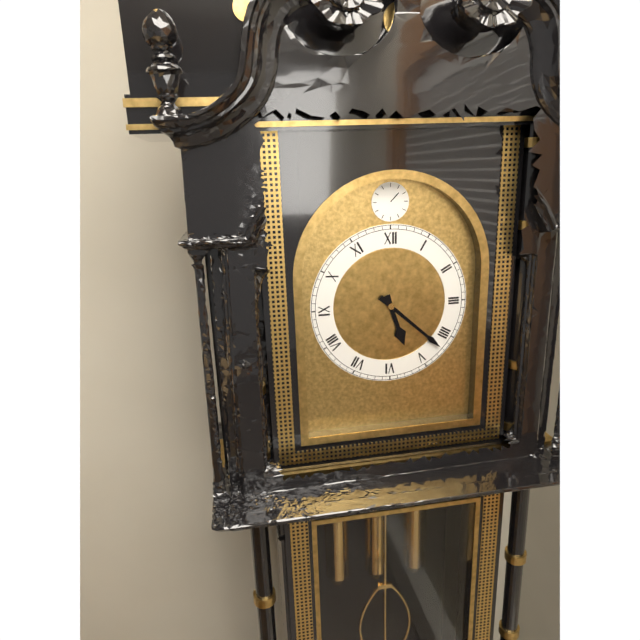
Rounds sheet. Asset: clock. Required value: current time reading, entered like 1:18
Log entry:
5:22
